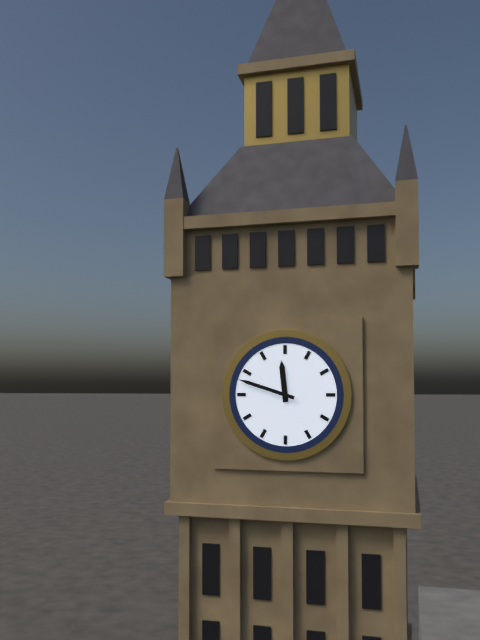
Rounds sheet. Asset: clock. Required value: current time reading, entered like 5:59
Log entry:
11:48
